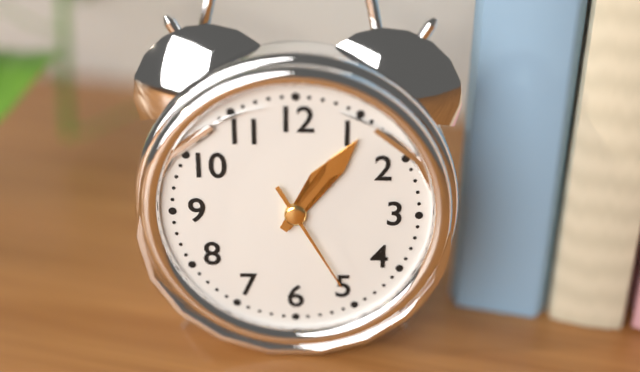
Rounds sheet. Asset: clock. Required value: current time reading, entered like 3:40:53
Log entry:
1:06:25
